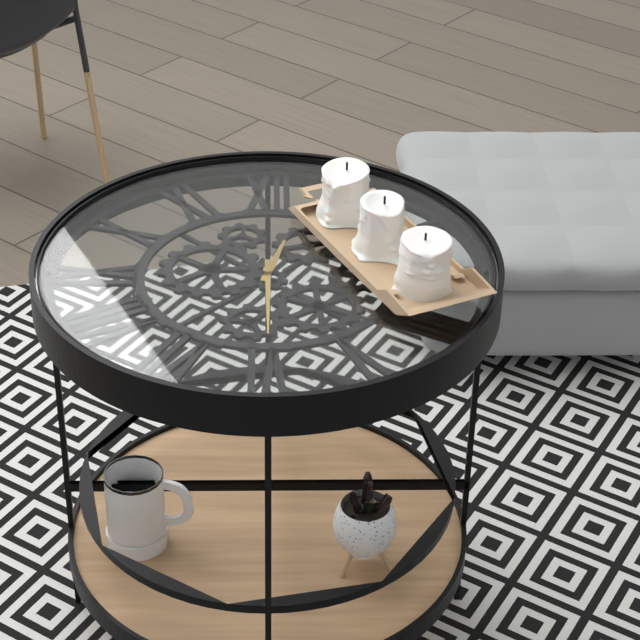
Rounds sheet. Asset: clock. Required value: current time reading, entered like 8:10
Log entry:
12:30
